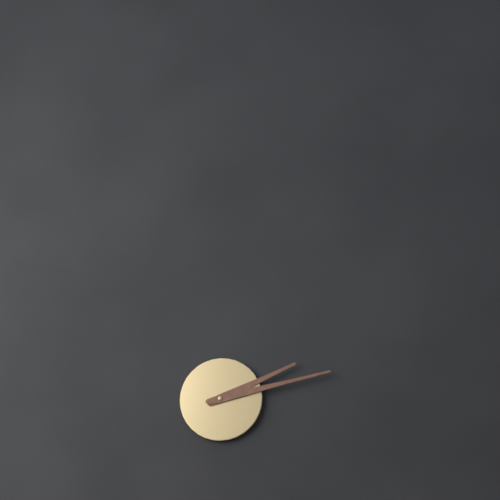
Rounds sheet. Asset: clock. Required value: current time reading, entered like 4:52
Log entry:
2:13
